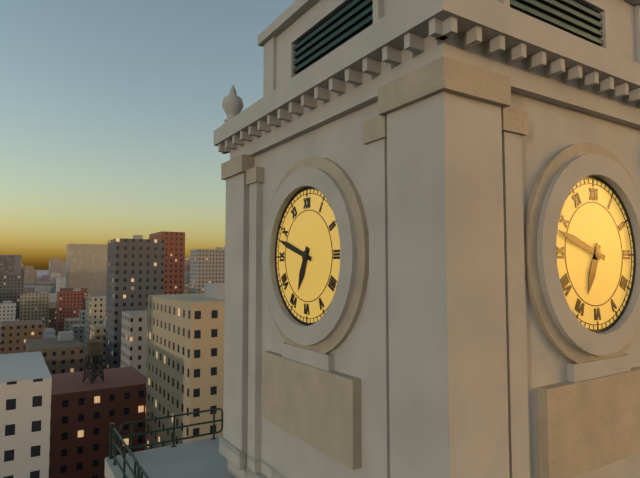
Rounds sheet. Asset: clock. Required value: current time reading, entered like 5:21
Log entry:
6:48
